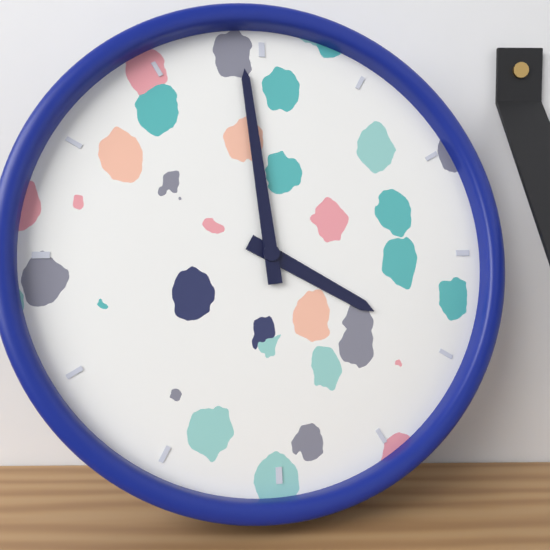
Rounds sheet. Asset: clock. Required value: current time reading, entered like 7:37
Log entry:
3:59
